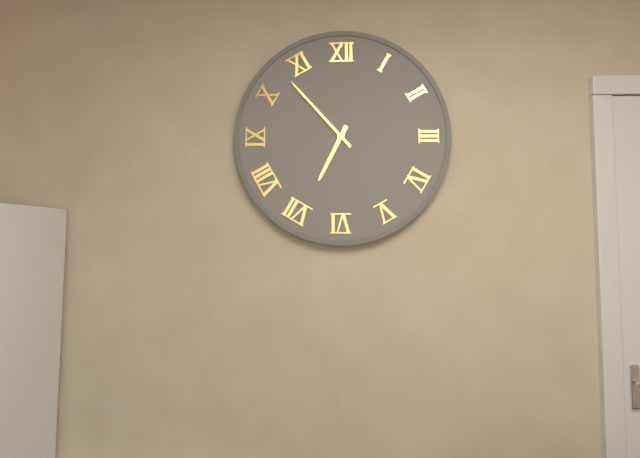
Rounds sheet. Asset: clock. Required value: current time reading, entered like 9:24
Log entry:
6:53
